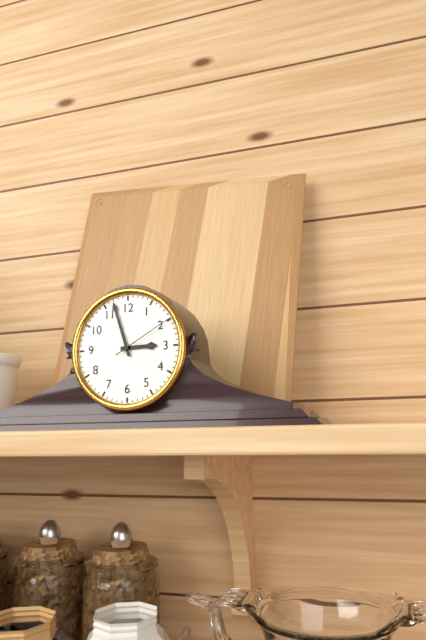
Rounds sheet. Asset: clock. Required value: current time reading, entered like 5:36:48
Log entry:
2:57:10
